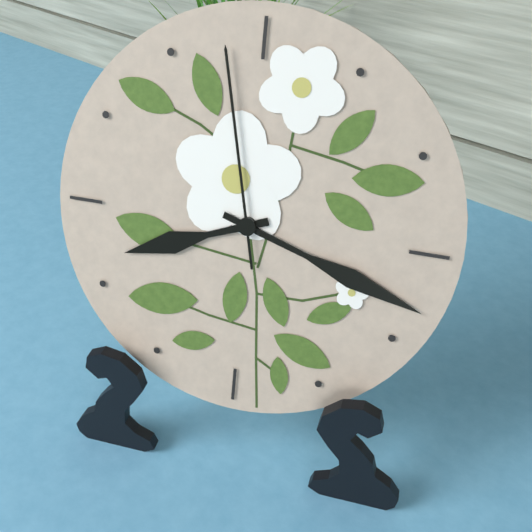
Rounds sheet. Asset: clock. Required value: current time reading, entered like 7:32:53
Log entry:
8:18:58
